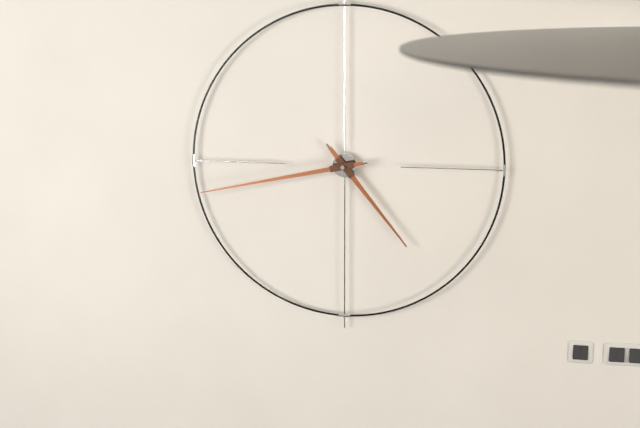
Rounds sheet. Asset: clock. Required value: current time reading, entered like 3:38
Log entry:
4:43
